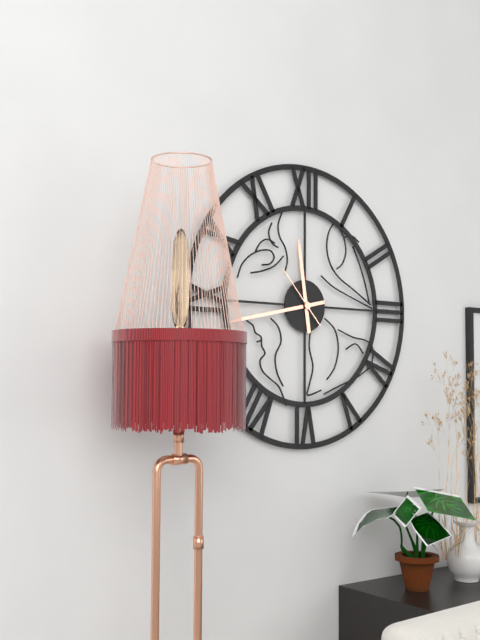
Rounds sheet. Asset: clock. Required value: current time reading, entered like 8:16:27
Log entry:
11:43:53
